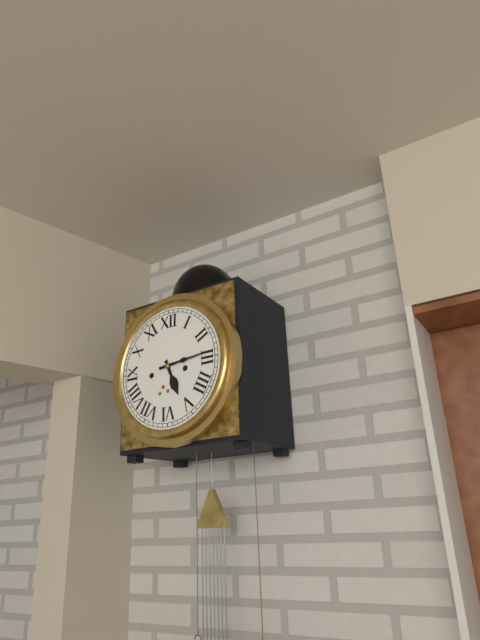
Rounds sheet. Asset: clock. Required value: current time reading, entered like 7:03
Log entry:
5:14
